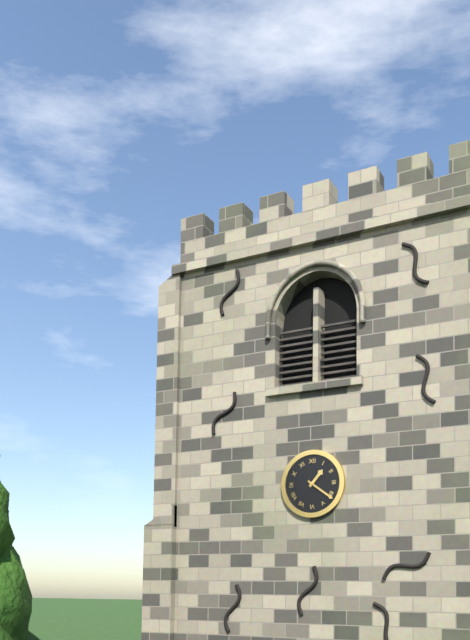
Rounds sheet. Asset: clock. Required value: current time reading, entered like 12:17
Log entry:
1:21
